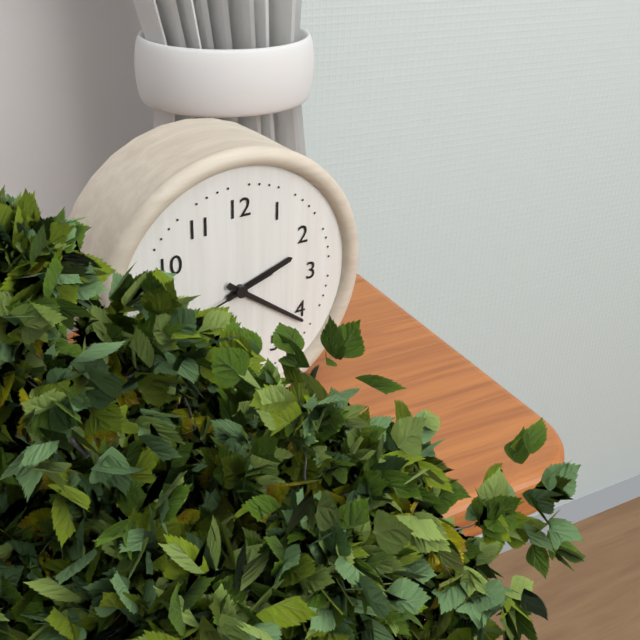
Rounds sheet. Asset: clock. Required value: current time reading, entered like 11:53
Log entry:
2:21
